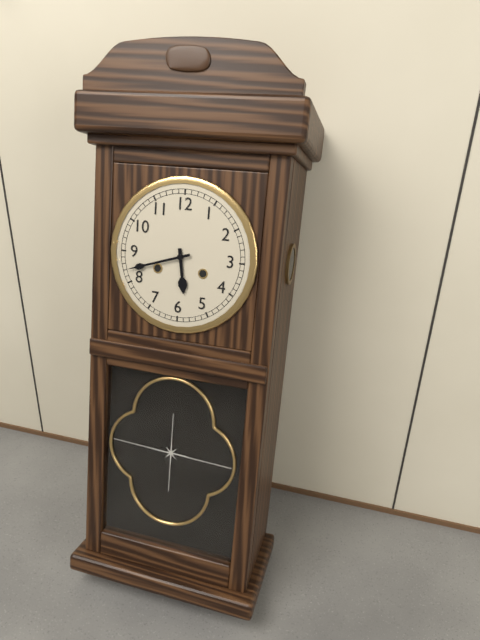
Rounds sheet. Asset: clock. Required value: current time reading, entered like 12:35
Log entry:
5:42
